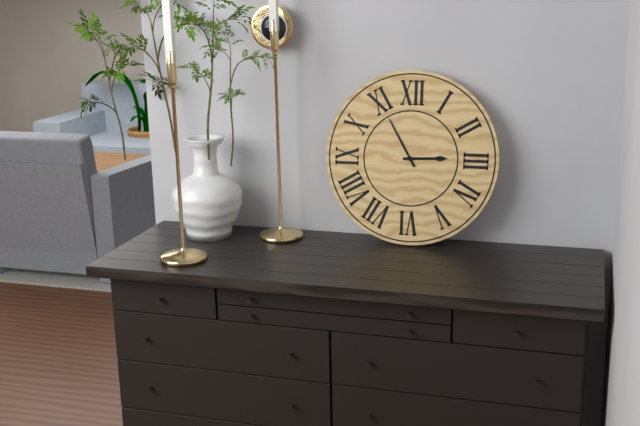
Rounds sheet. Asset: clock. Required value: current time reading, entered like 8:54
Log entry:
2:55
